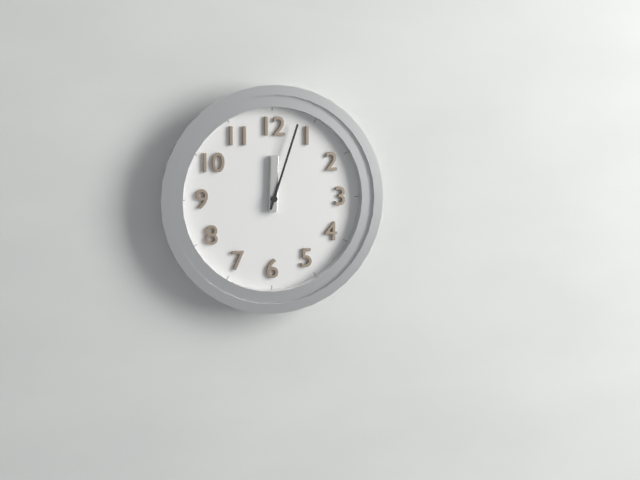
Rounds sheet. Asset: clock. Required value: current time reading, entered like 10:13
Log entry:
12:03
